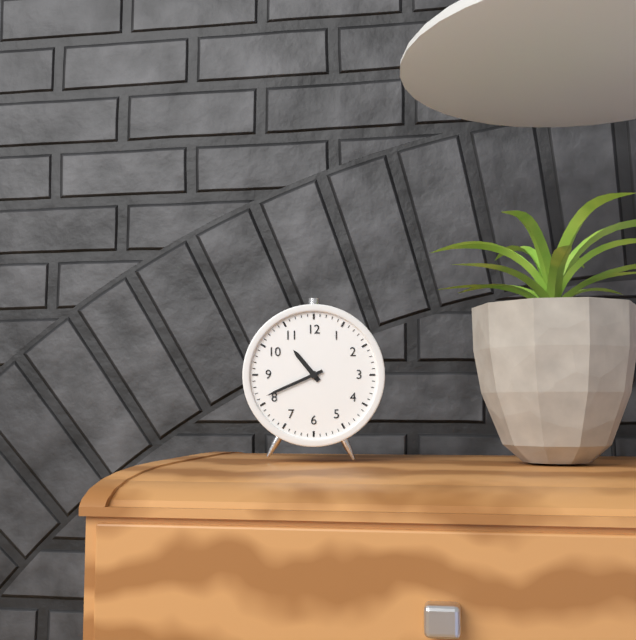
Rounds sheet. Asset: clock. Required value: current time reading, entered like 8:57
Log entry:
10:41
